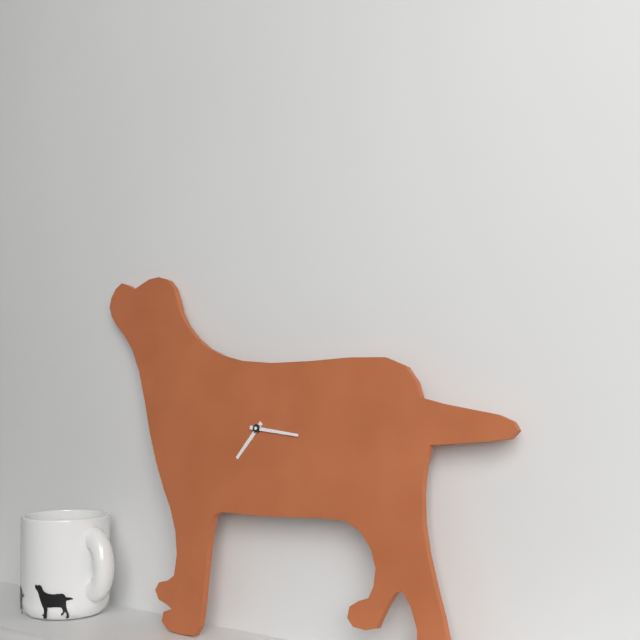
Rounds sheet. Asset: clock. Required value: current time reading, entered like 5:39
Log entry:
7:16
